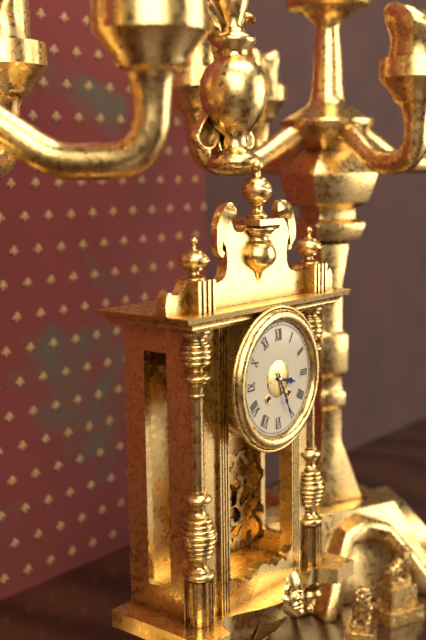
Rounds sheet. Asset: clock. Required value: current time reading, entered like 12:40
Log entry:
3:26
